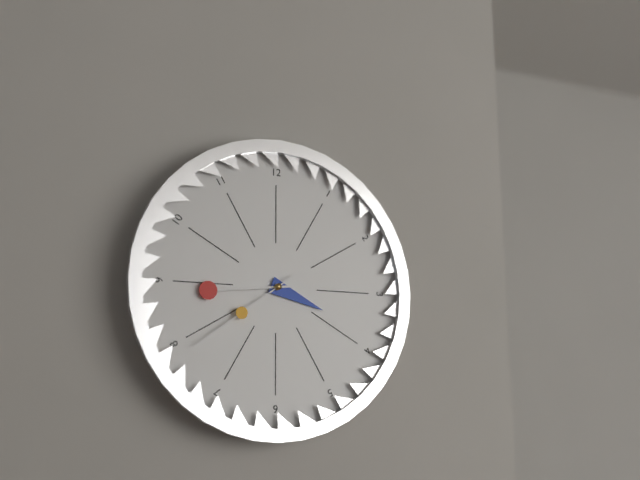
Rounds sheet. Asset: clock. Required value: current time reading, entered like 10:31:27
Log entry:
3:44:39
